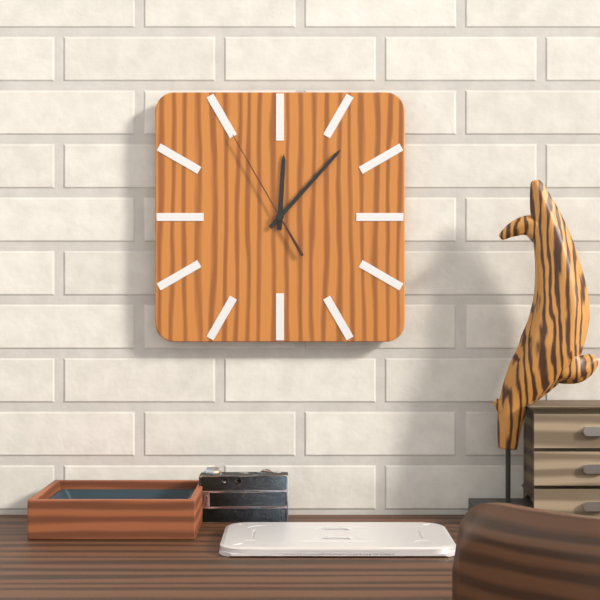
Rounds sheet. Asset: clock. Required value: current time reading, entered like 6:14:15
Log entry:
12:07:55
